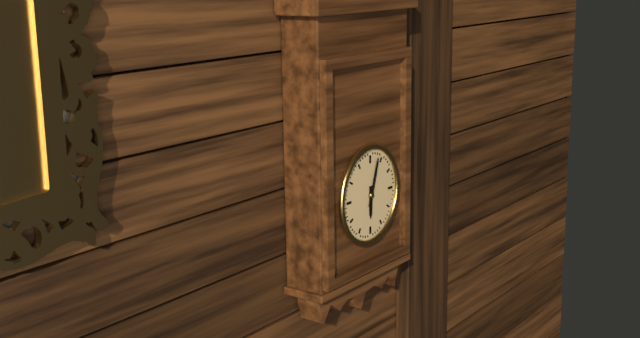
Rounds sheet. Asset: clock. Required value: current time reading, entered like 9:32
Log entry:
6:03
